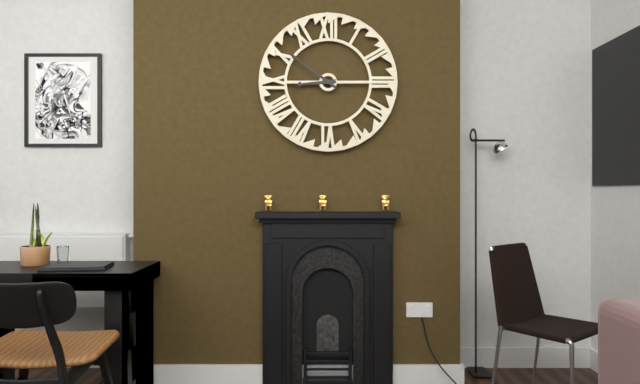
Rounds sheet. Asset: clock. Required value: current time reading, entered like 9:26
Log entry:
8:51
